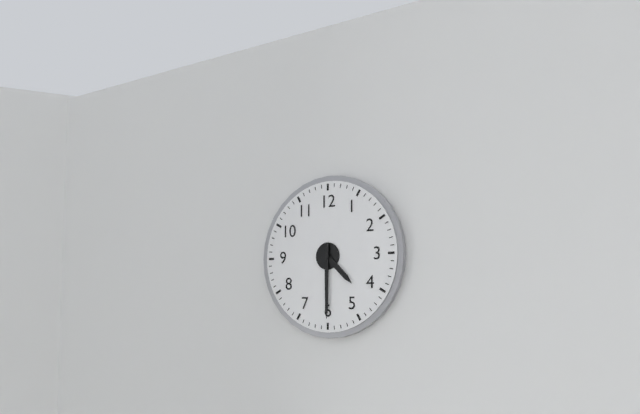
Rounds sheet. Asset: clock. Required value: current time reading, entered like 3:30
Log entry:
4:30
